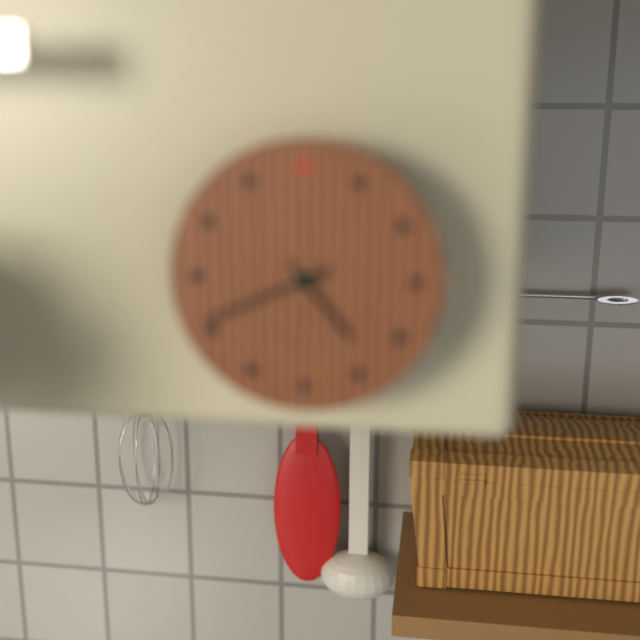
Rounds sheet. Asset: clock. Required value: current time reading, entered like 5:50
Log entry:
4:41
